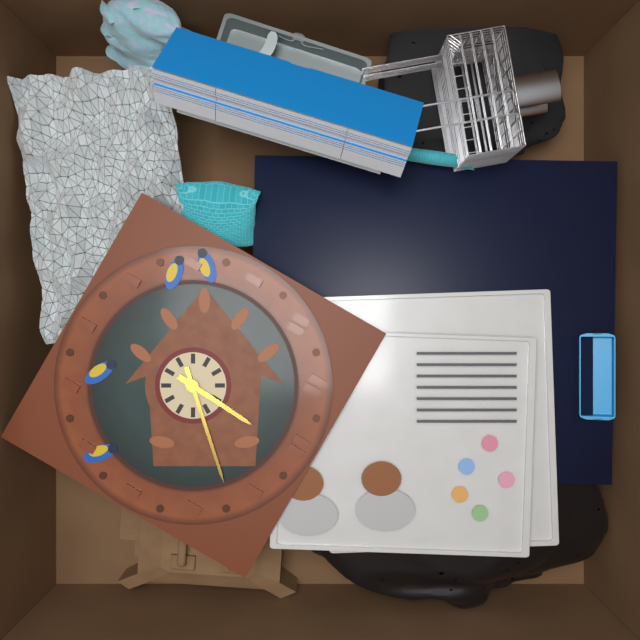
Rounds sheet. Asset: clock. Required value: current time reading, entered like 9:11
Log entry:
12:07
